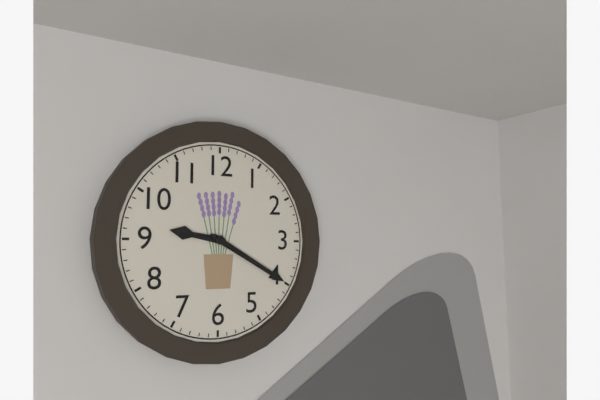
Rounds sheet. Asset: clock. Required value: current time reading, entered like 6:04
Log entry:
9:20
